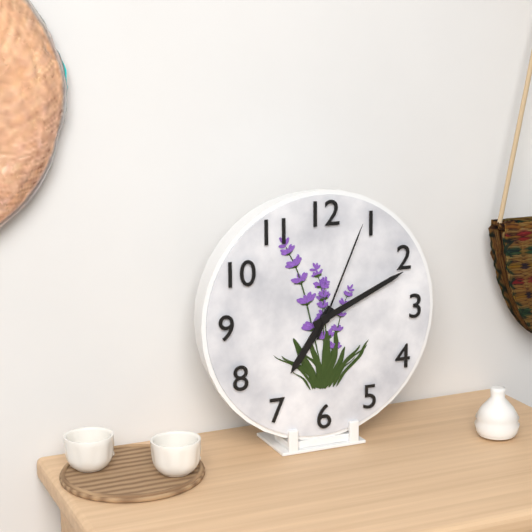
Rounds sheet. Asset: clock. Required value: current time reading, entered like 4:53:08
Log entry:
7:11:04
